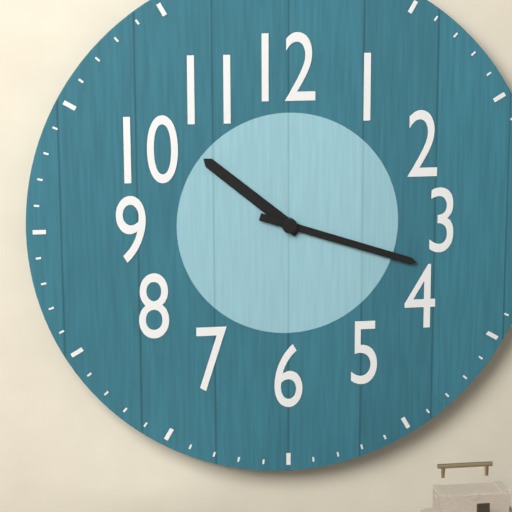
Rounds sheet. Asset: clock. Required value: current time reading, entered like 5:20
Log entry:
10:18
